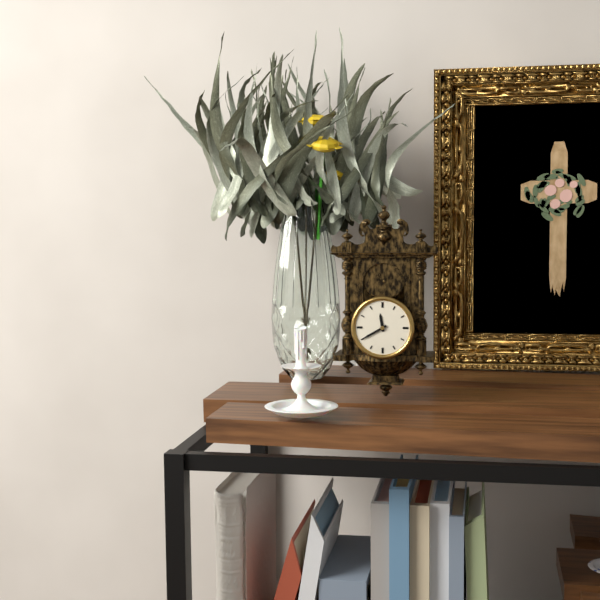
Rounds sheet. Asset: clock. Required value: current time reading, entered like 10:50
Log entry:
11:40
